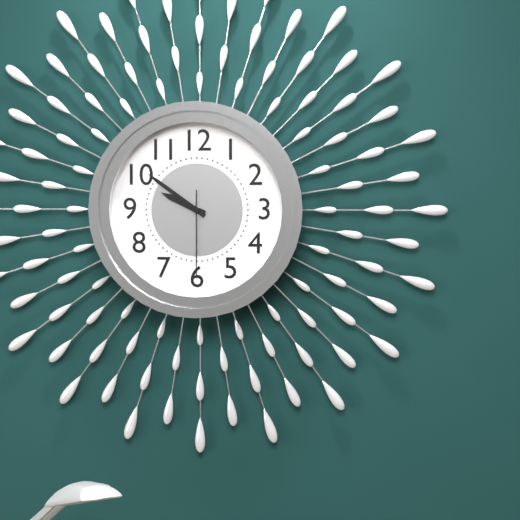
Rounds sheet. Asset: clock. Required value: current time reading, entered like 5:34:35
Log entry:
9:51:30
